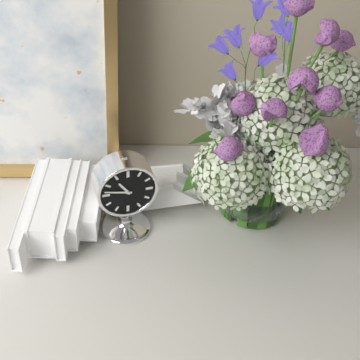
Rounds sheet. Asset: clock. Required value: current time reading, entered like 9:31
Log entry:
10:47
